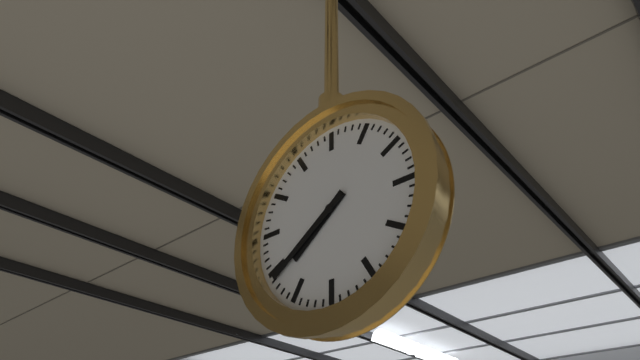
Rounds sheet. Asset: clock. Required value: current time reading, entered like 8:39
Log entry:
7:39
